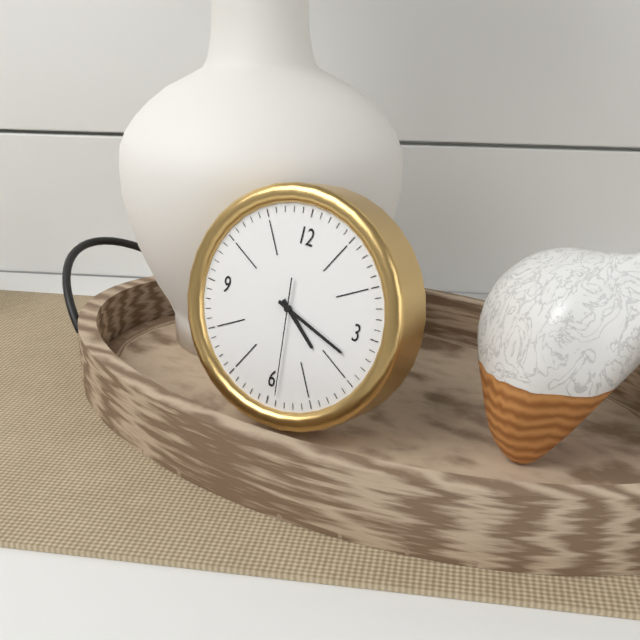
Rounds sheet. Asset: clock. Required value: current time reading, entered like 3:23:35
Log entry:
4:18:29
